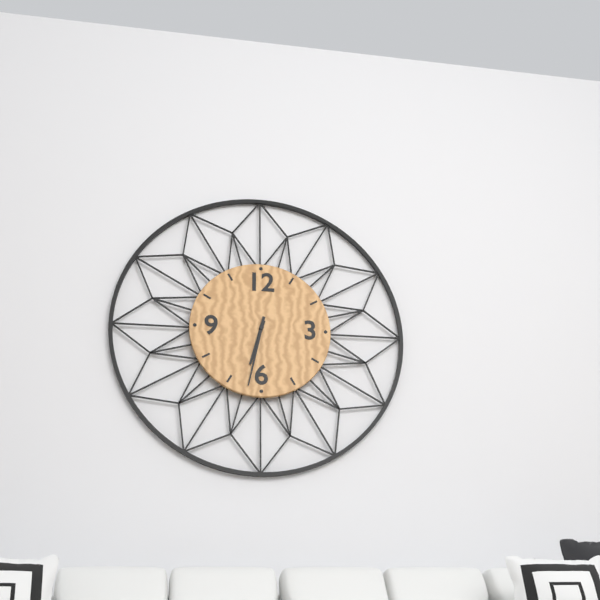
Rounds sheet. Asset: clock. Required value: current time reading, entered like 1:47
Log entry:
6:32
